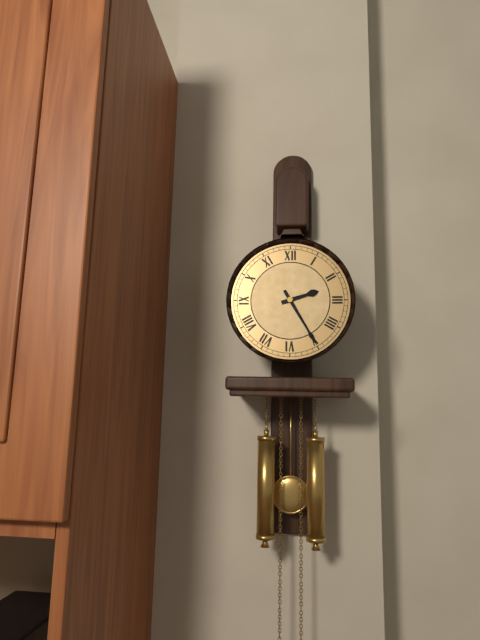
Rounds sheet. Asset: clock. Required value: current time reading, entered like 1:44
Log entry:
2:25
